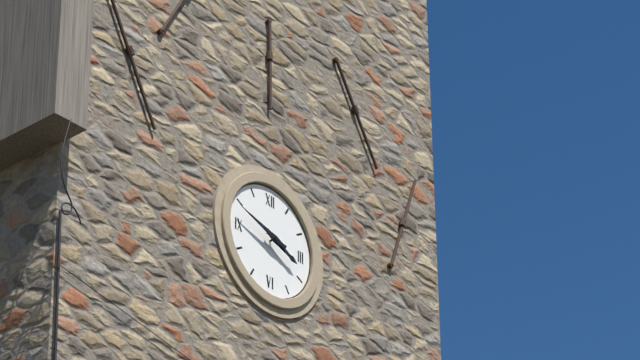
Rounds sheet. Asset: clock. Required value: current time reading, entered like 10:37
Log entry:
3:48
